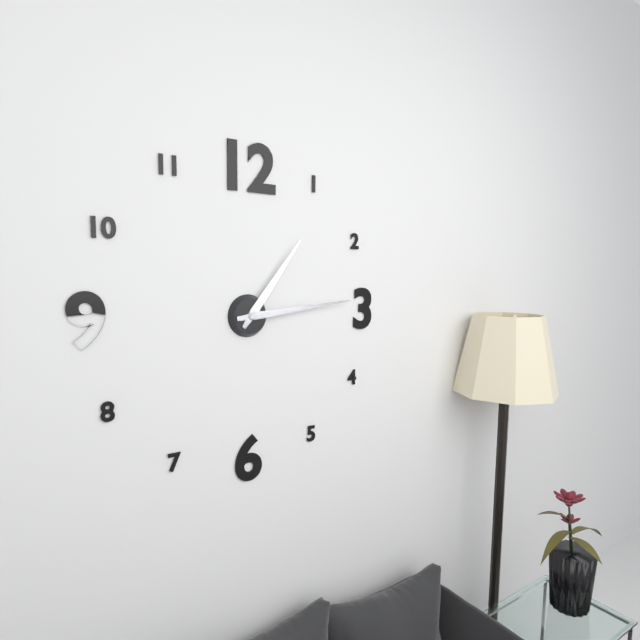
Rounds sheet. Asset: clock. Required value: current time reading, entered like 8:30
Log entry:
1:14
